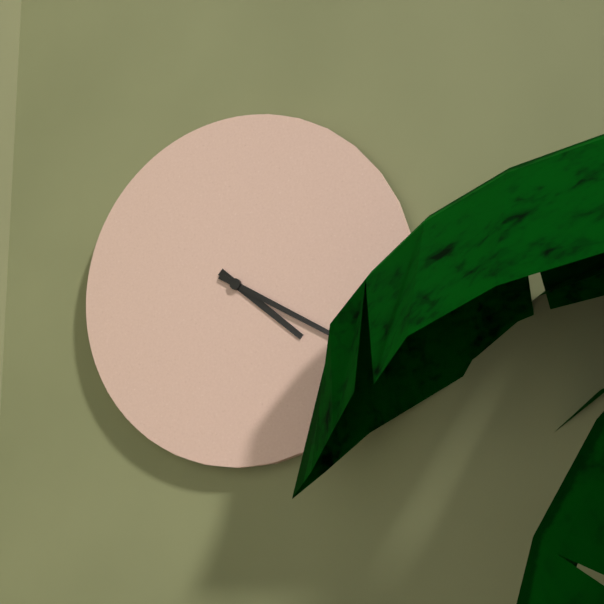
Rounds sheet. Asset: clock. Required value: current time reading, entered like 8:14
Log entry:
4:20
